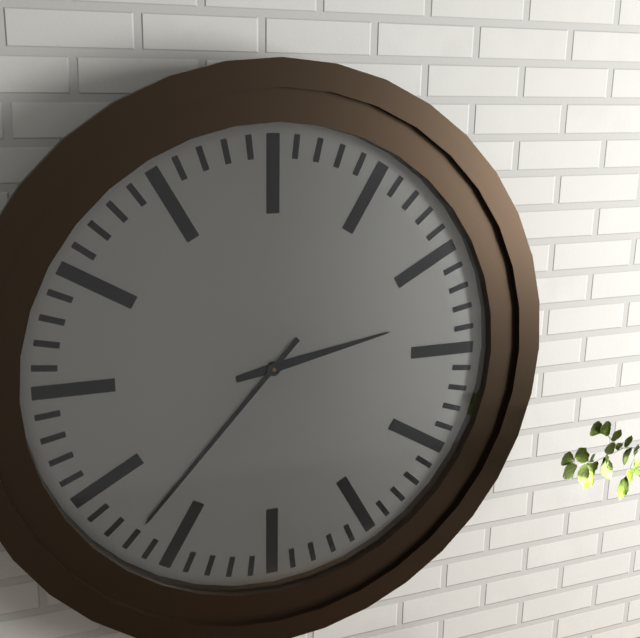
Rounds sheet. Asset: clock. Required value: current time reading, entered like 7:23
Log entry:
2:37
